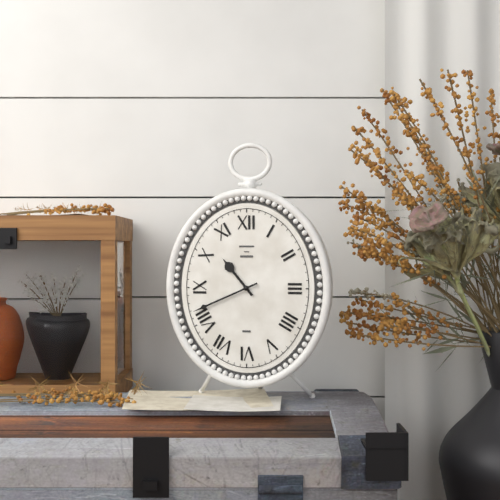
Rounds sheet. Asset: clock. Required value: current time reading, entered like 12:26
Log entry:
10:41
